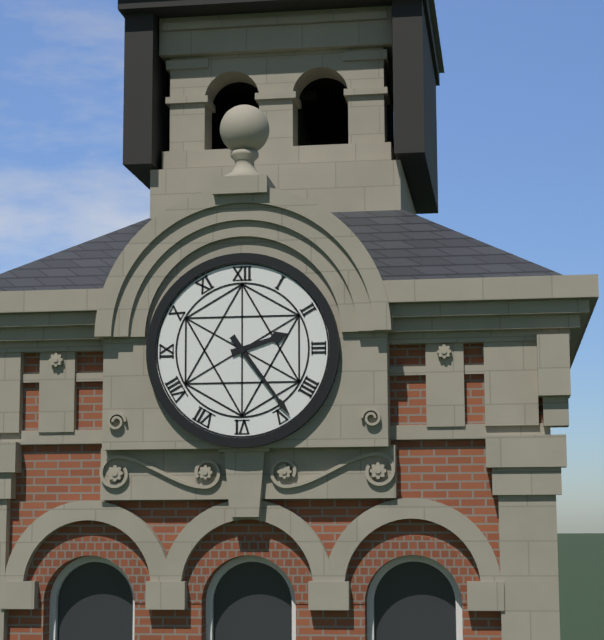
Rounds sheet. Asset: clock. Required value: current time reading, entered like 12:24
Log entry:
2:24
